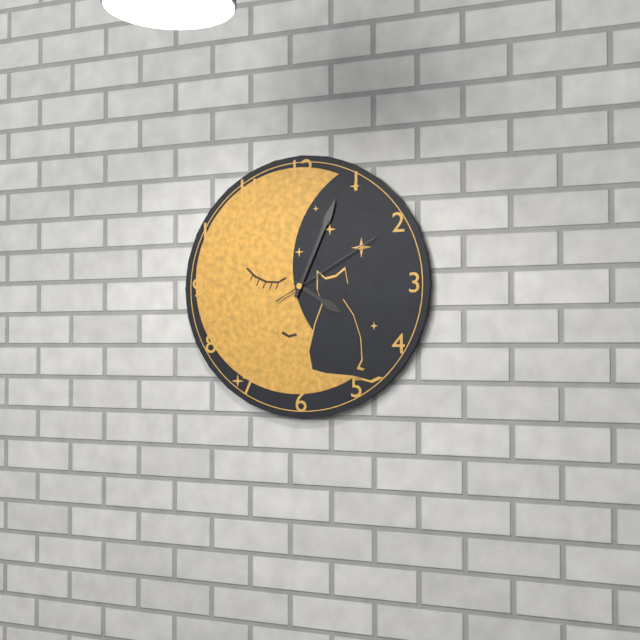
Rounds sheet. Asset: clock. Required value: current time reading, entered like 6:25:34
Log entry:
4:04:10
